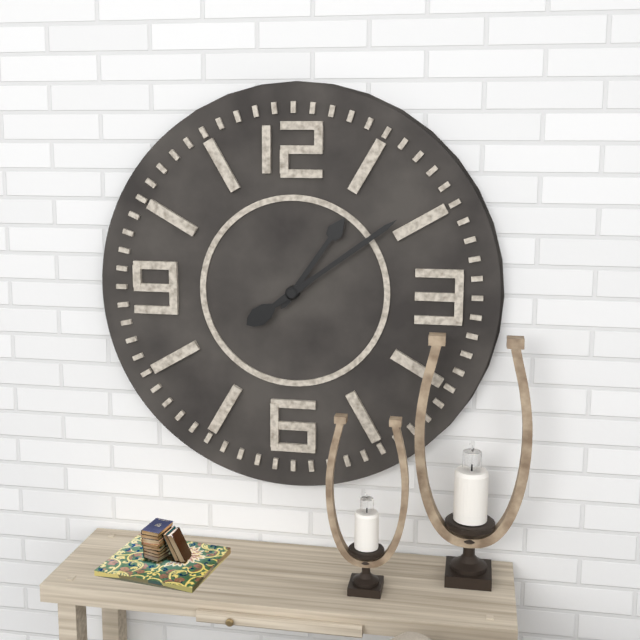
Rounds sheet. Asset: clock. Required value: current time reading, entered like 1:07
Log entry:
1:09
